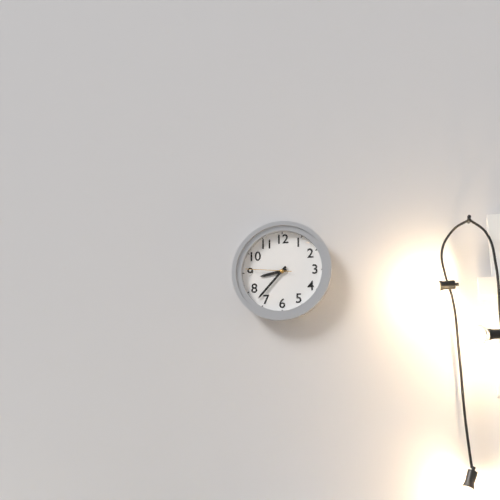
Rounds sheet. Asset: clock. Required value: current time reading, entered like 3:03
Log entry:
8:37
